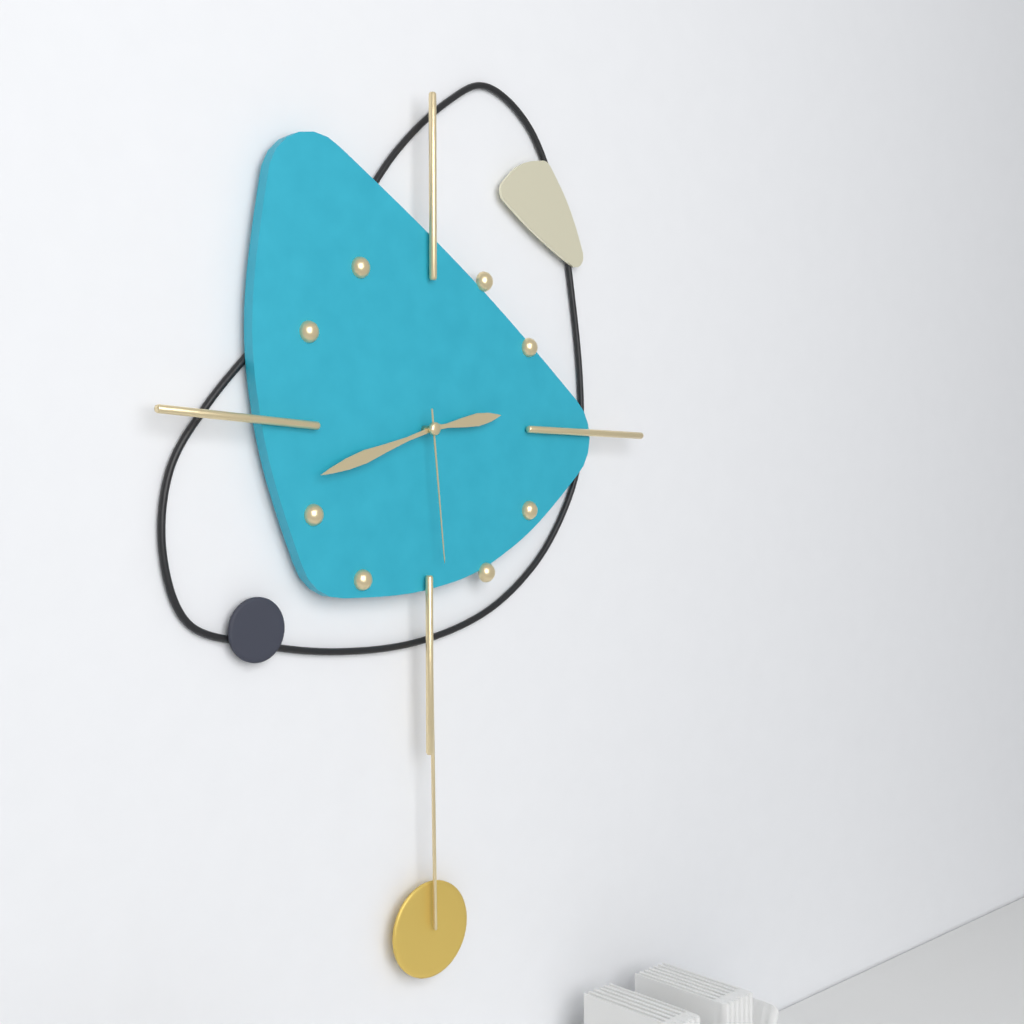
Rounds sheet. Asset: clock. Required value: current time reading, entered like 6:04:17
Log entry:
2:42:29
